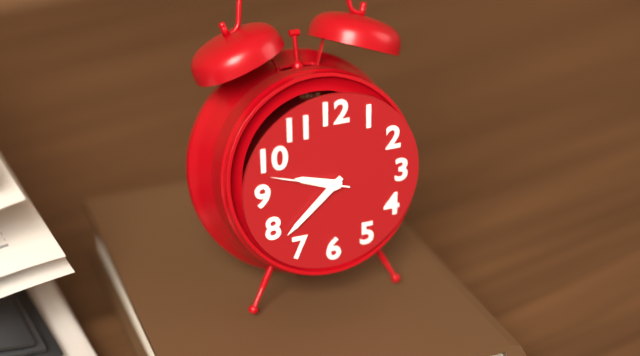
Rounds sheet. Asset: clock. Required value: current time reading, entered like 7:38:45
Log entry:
9:38:48
